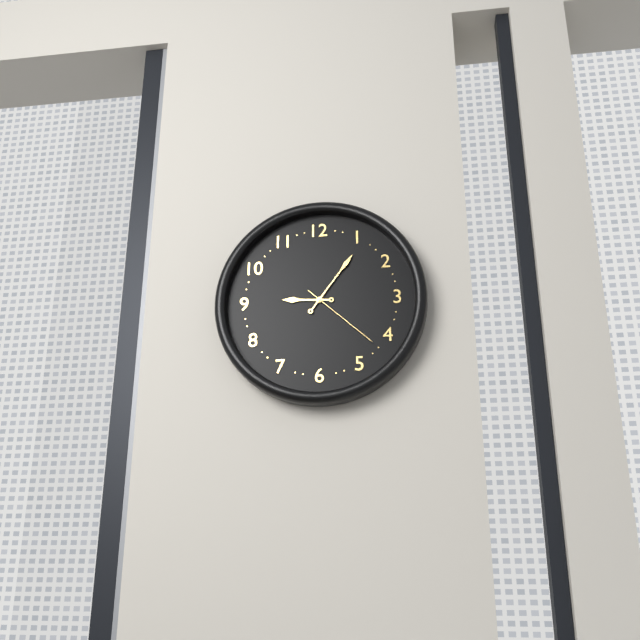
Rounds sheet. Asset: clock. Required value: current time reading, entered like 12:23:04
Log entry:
9:06:22
